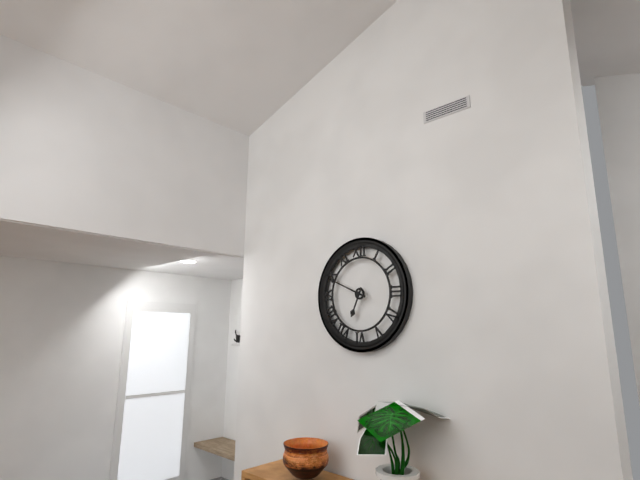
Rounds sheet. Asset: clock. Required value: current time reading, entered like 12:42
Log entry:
6:49
